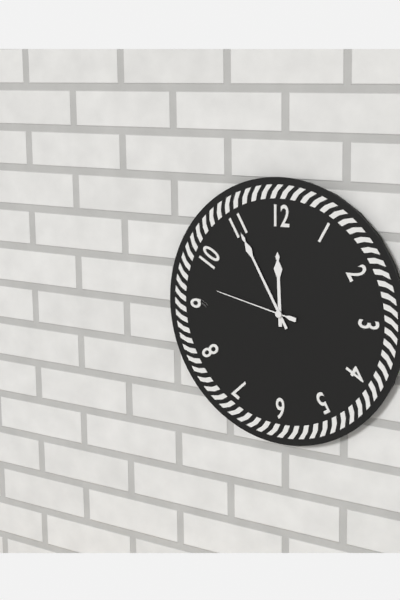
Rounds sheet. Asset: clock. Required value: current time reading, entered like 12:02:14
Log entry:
11:55:47
